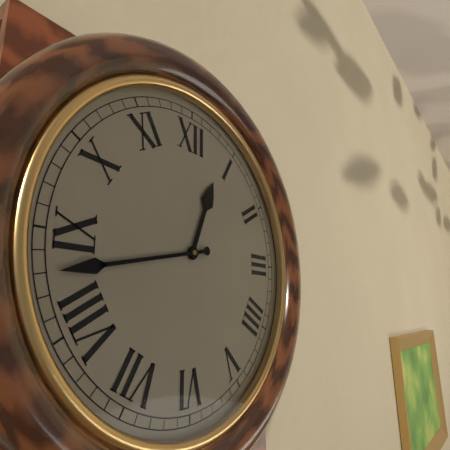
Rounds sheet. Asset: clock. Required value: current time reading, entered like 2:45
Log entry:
12:43
